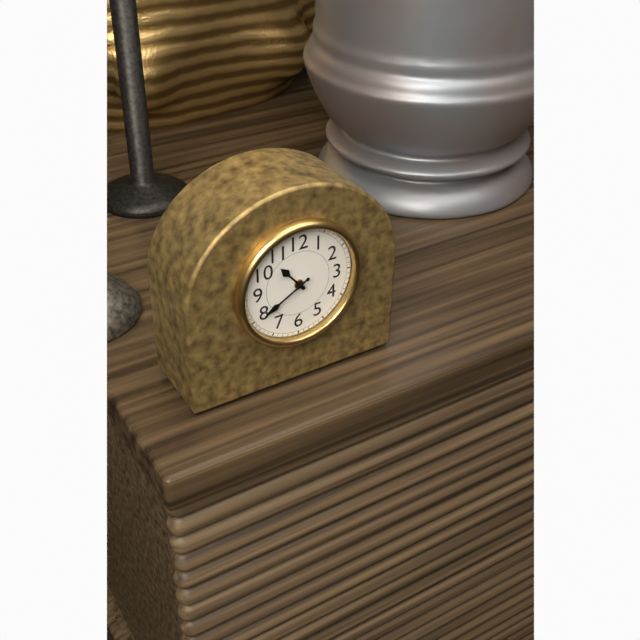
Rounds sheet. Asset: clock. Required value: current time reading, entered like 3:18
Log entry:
10:40
